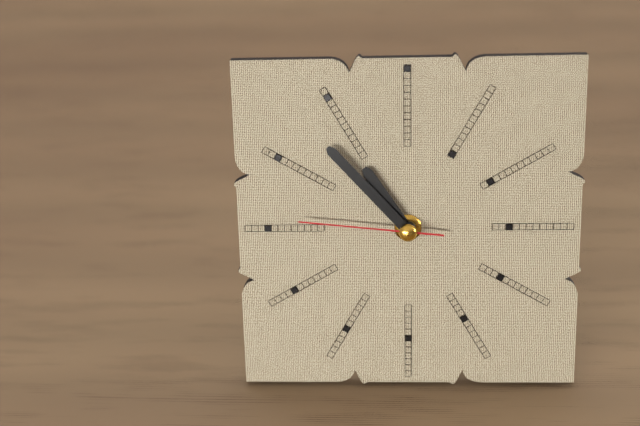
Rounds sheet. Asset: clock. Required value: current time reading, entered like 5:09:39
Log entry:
10:53:46
